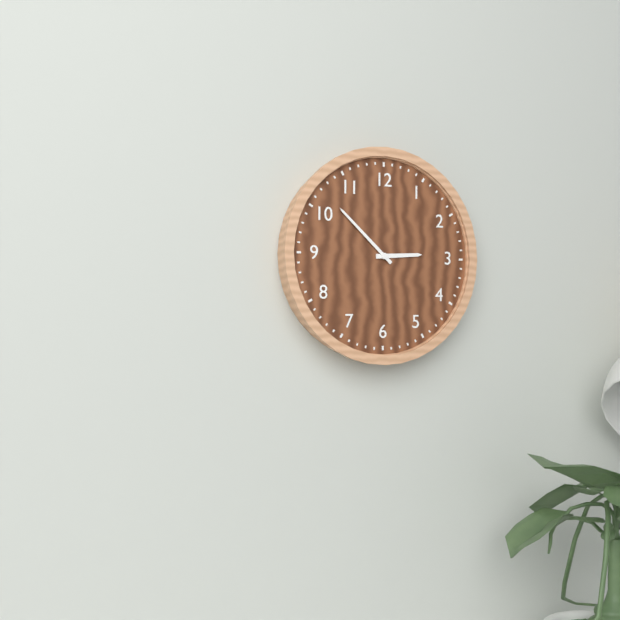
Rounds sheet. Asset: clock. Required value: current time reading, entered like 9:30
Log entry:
2:52
